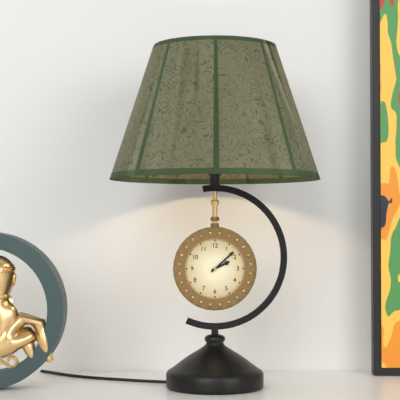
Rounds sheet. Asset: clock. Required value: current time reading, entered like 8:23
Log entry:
2:08
